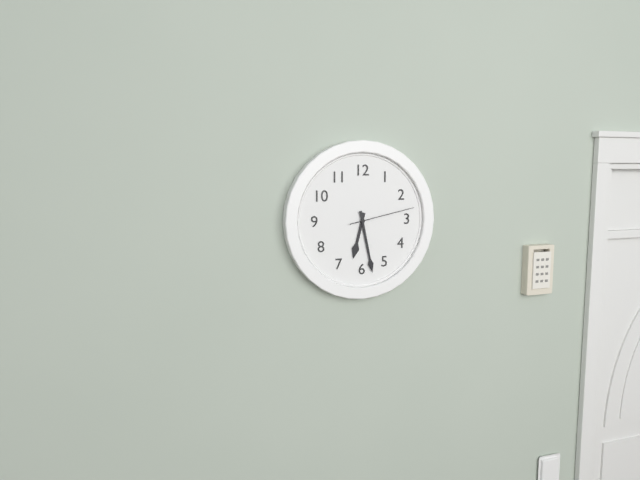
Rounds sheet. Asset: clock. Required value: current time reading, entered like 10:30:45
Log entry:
6:28:13
